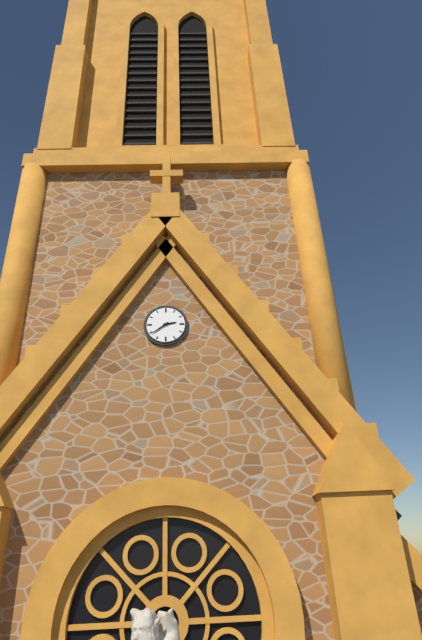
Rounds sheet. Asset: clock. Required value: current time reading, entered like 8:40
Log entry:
2:39
